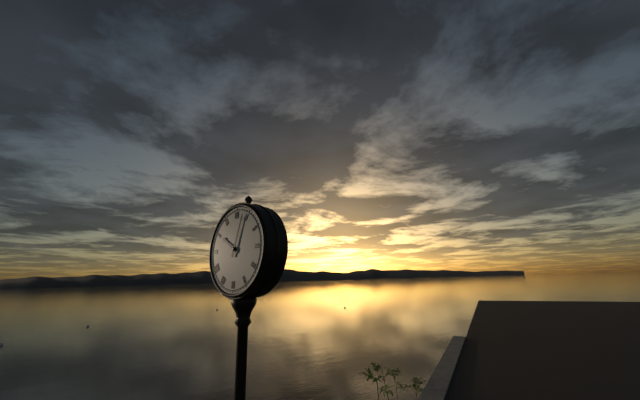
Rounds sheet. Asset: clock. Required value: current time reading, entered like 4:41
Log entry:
10:03
